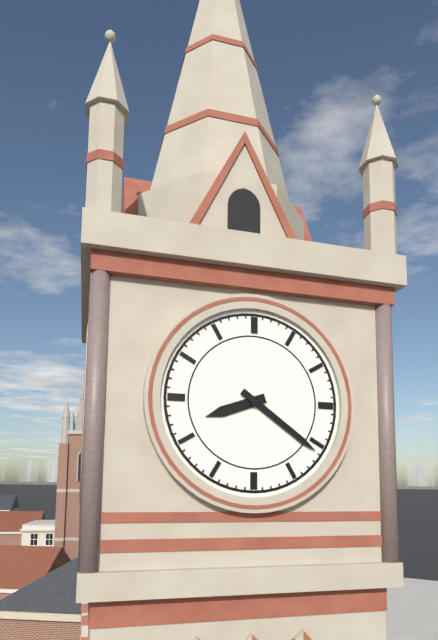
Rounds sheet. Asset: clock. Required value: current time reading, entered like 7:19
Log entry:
8:21
